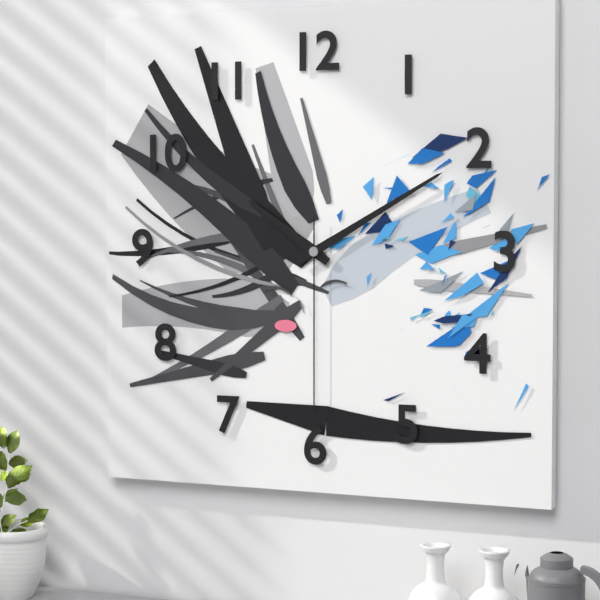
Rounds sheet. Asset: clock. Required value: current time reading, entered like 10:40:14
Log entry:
10:10:30
